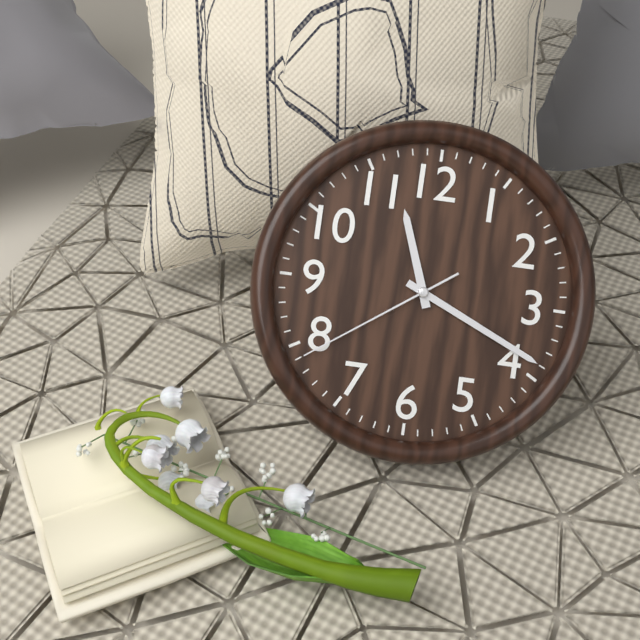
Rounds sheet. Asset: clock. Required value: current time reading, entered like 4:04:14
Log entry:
11:19:39
